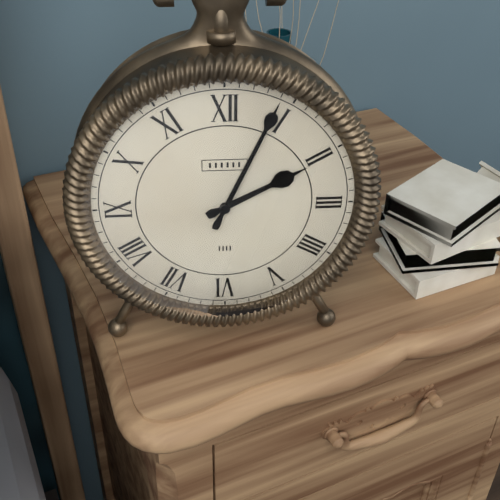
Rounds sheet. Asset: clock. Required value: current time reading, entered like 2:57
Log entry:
2:04
